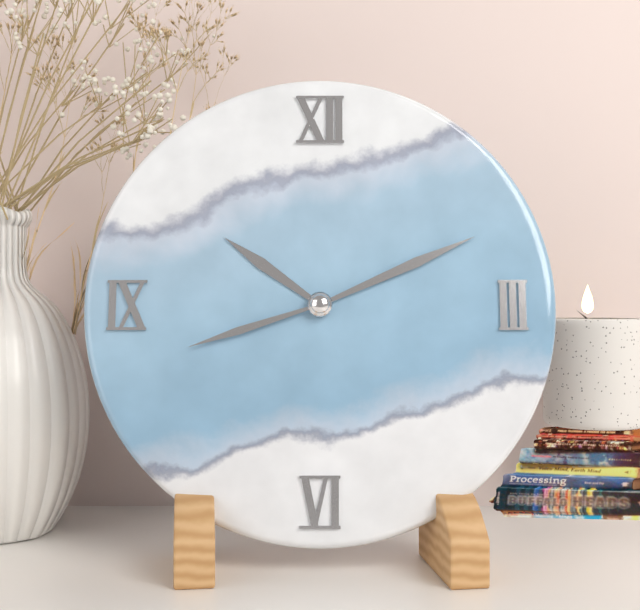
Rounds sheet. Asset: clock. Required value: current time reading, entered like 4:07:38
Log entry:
10:11:42
